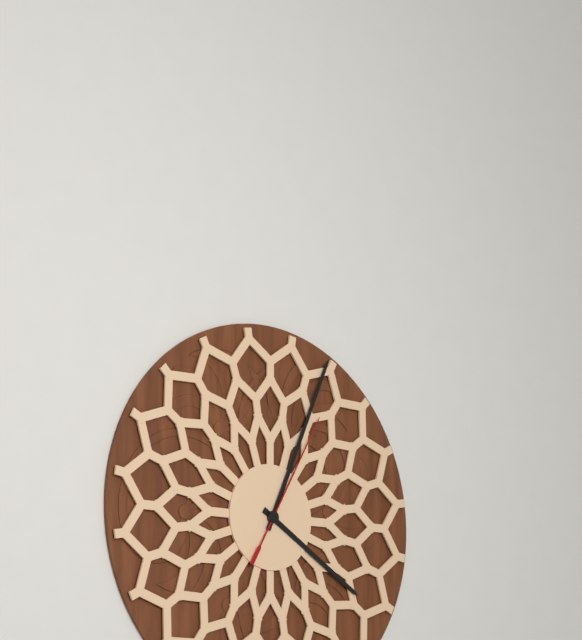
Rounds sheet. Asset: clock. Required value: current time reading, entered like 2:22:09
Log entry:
4:04:05
